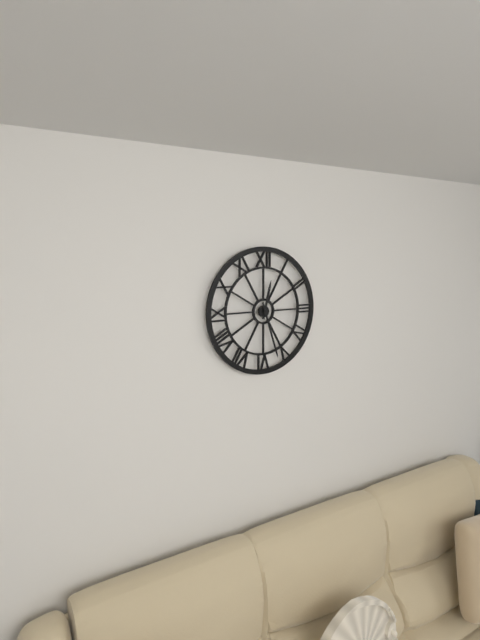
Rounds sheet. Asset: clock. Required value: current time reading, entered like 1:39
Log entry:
12:27
